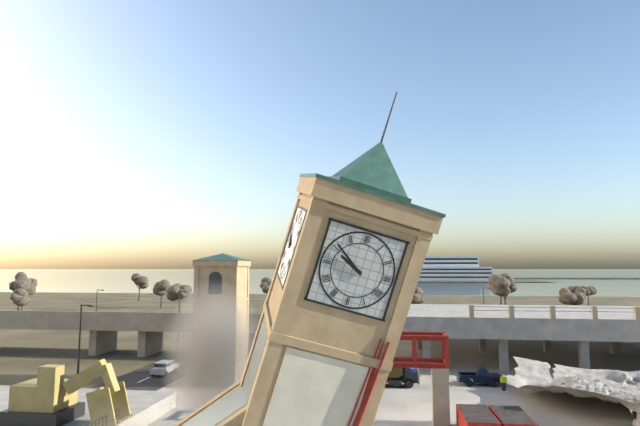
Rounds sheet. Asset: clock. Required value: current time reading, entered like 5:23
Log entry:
9:51
